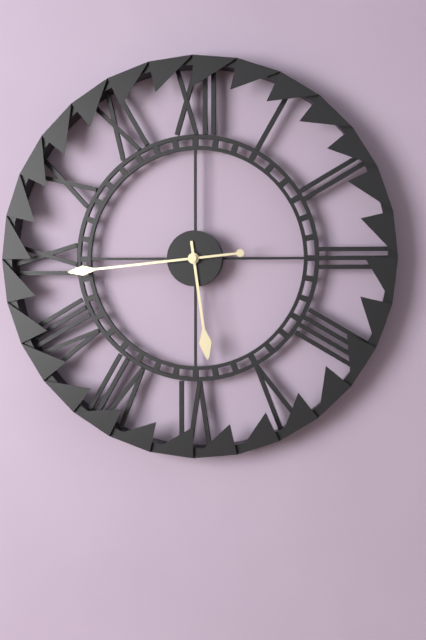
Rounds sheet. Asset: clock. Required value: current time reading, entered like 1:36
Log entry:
5:44
